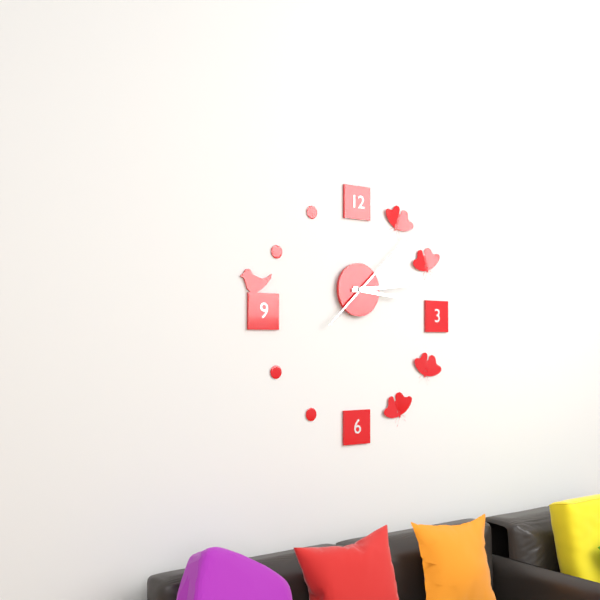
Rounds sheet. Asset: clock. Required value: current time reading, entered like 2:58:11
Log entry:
3:14:08
